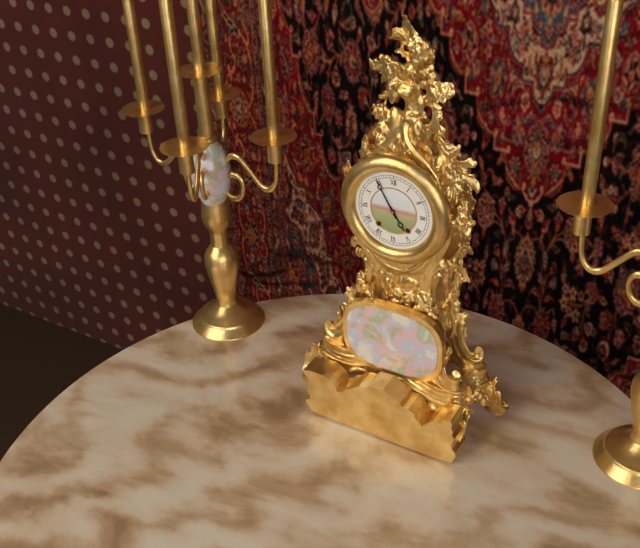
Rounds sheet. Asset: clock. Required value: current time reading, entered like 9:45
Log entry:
4:55
